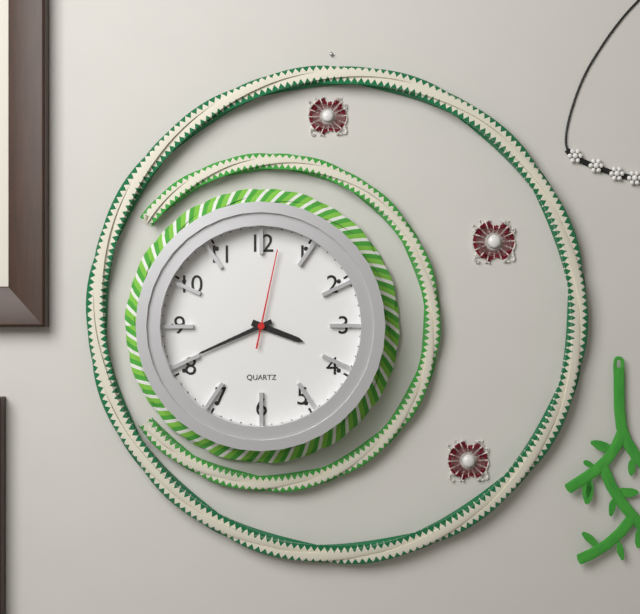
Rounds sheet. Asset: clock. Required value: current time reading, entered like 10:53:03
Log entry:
3:41:02
